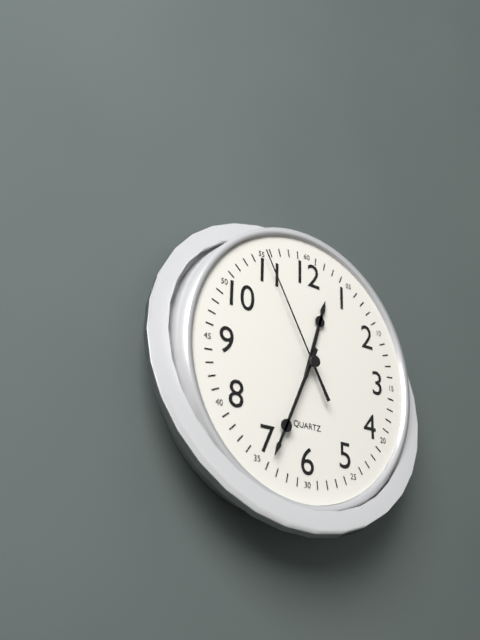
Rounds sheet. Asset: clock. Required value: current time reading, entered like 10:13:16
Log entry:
12:34:55
